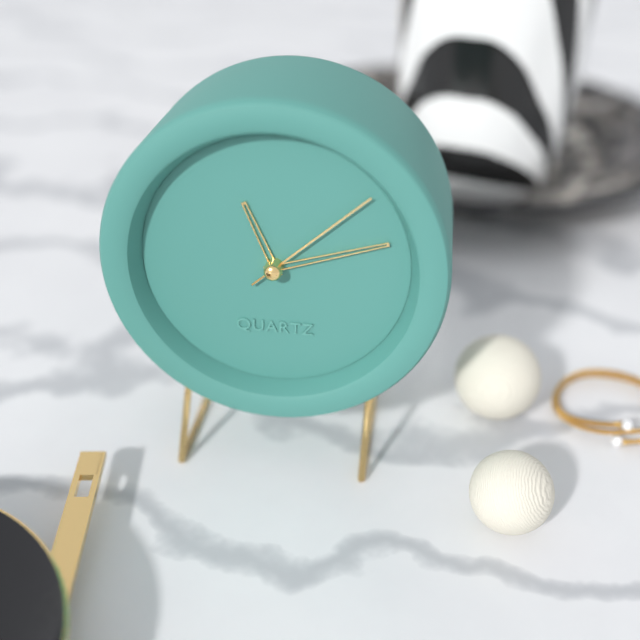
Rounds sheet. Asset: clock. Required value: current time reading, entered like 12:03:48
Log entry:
11:12:08
